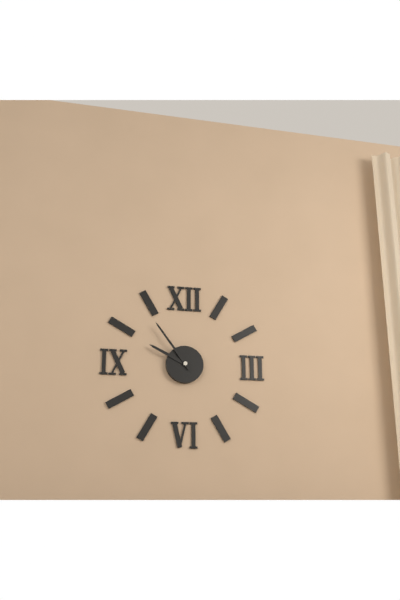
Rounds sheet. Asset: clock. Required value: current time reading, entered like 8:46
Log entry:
9:54
